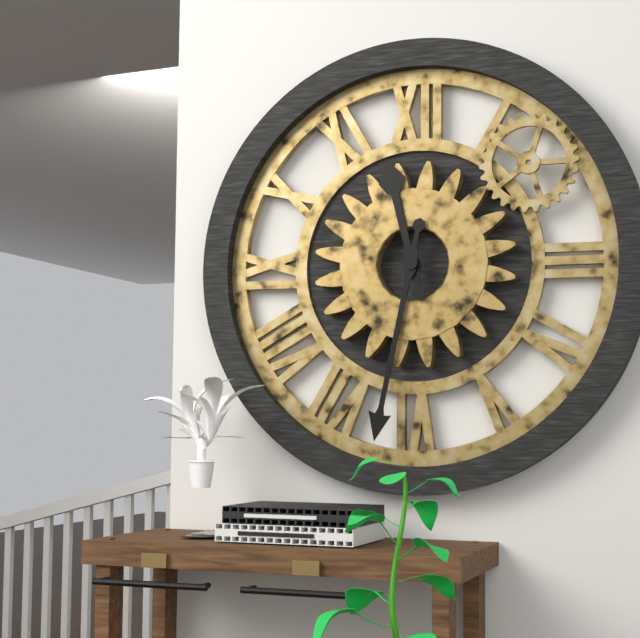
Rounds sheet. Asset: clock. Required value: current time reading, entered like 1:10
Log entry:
11:32
